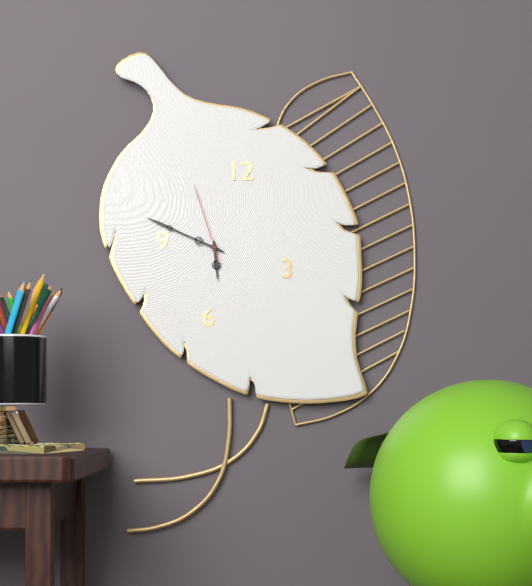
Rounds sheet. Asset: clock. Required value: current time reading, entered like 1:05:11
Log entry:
5:49:57
